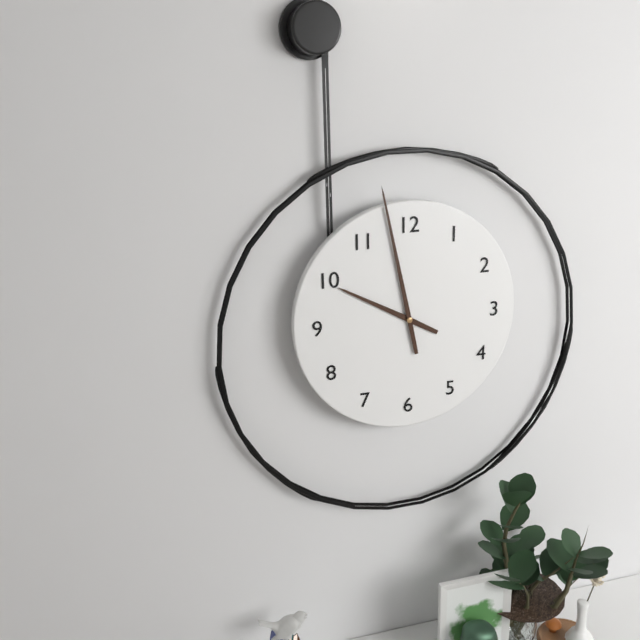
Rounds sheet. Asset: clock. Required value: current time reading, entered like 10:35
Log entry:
9:58
